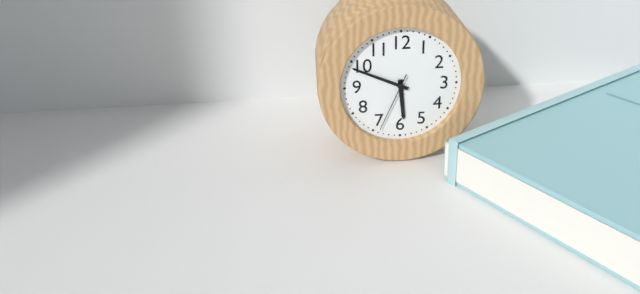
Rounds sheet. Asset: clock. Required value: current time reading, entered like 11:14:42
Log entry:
5:49:34
